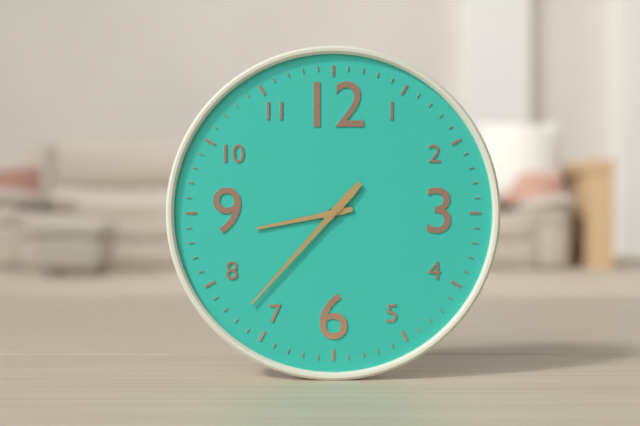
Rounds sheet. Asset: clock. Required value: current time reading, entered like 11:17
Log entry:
8:37
